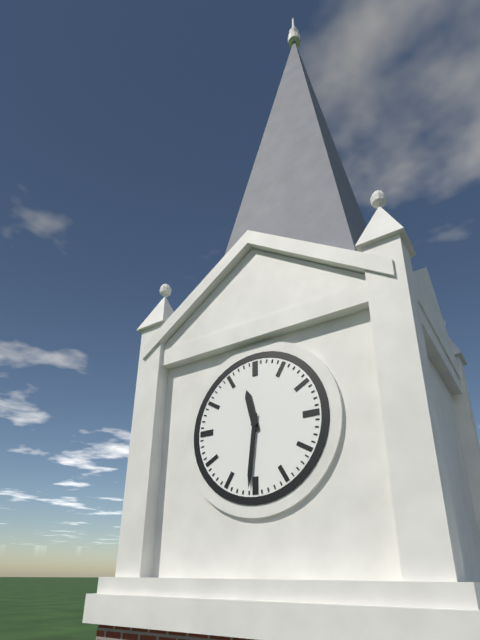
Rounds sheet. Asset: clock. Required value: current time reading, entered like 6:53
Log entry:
11:31
